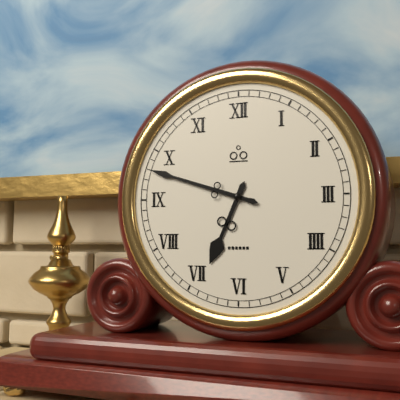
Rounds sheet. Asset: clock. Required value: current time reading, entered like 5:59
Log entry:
6:48
